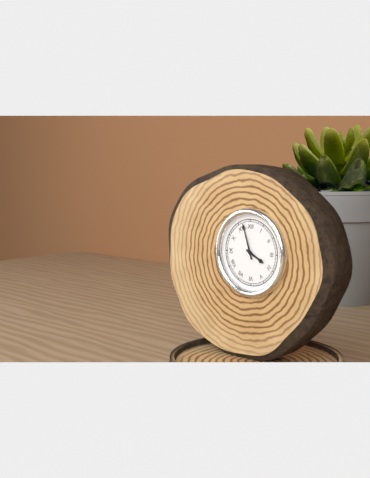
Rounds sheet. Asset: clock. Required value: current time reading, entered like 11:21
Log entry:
3:57
